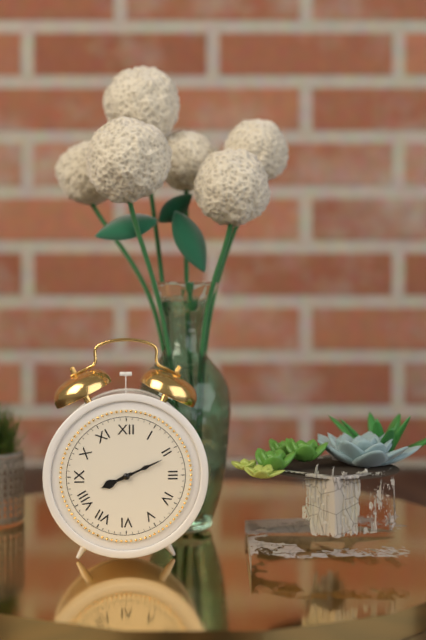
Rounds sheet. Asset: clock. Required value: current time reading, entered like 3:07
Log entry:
8:11
